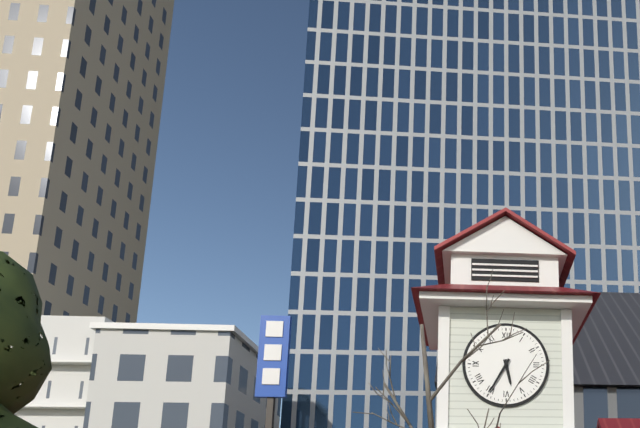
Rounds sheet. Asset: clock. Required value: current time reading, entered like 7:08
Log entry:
5:35
